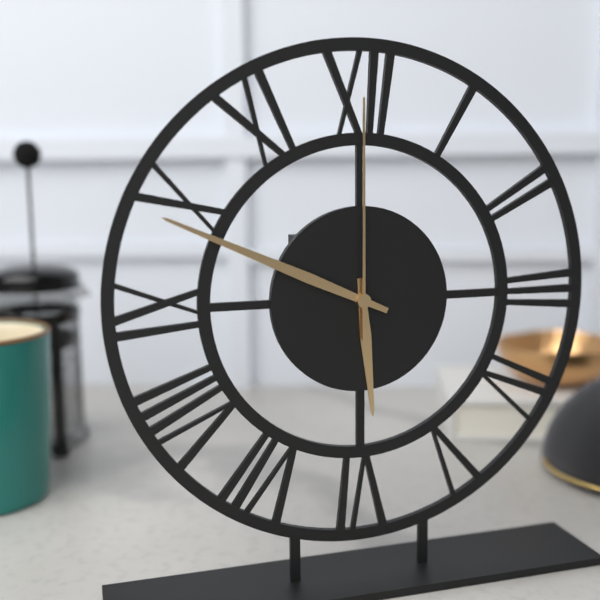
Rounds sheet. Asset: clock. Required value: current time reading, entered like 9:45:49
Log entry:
5:49:00
